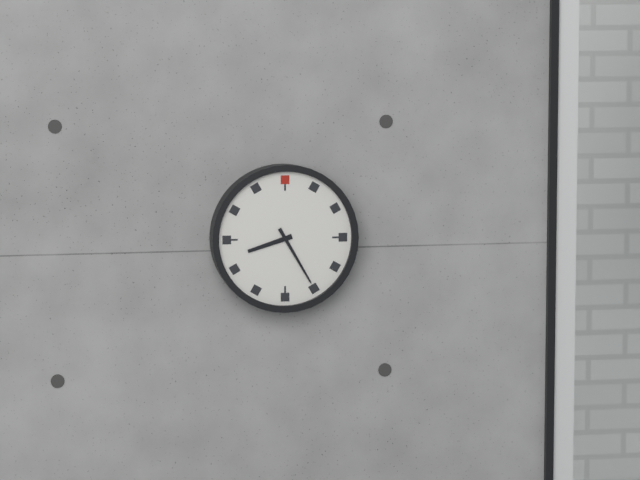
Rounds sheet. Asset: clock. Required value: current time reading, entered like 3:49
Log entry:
8:25
